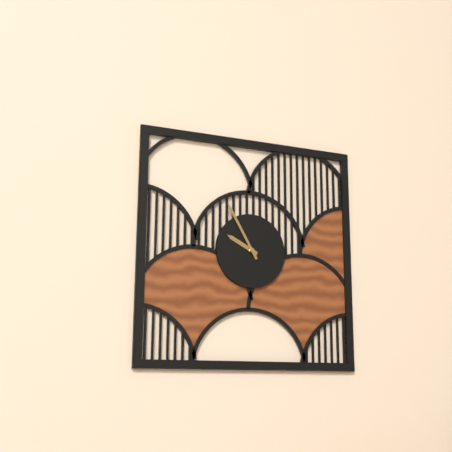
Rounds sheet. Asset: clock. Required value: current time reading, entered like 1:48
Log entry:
9:55
